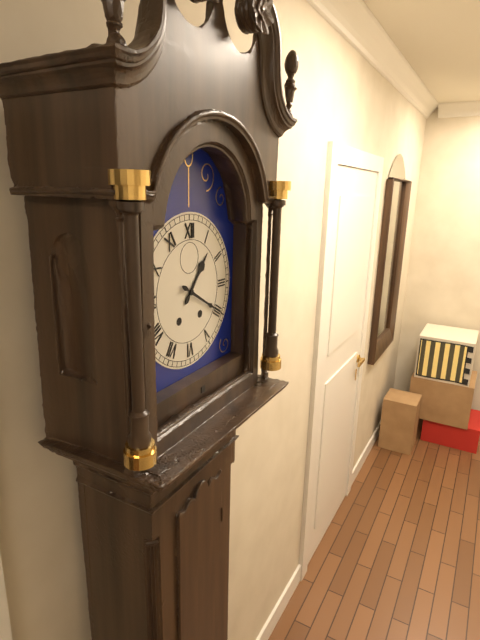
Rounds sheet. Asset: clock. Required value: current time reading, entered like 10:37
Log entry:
1:20
